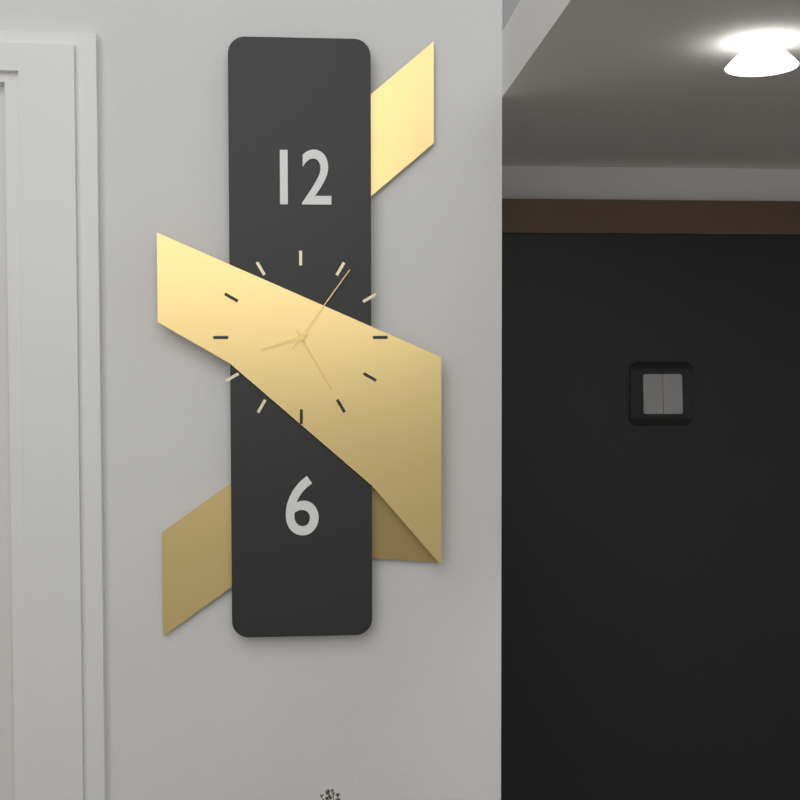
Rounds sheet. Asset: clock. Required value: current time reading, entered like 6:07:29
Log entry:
8:25:06
